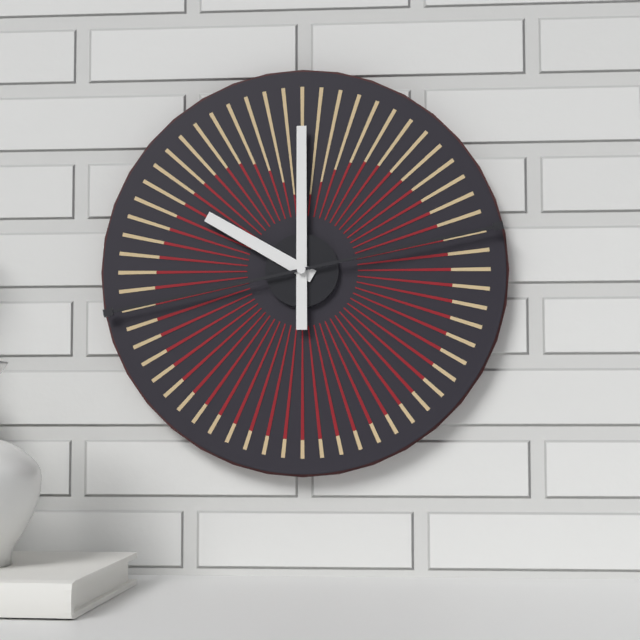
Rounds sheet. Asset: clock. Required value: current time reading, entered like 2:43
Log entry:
10:00
